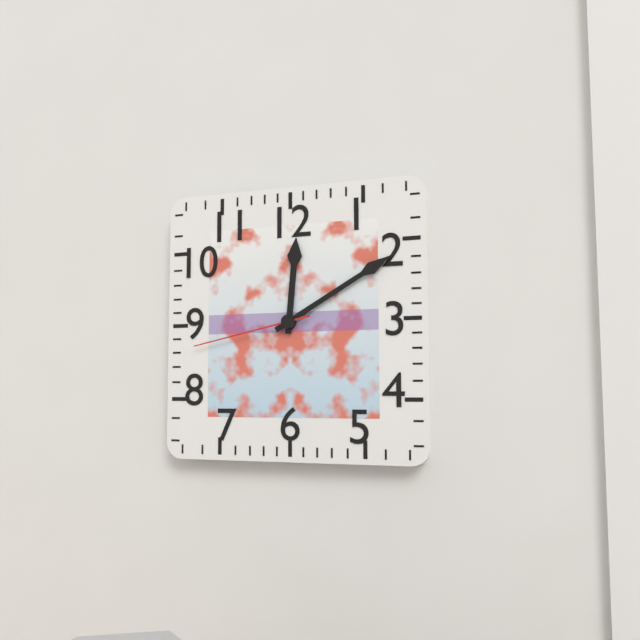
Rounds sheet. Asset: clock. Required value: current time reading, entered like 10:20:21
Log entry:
12:10:43
